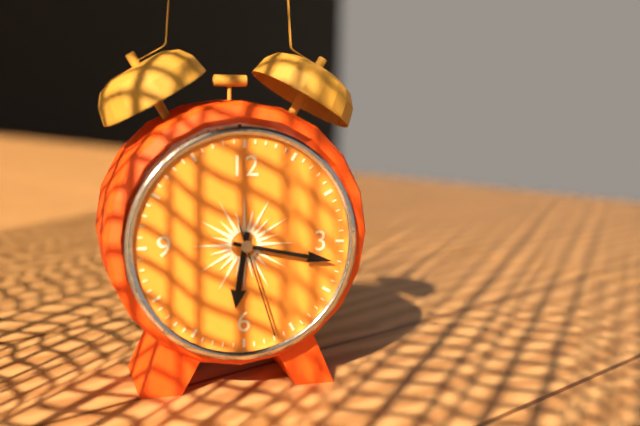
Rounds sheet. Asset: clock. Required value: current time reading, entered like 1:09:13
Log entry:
6:17:27
